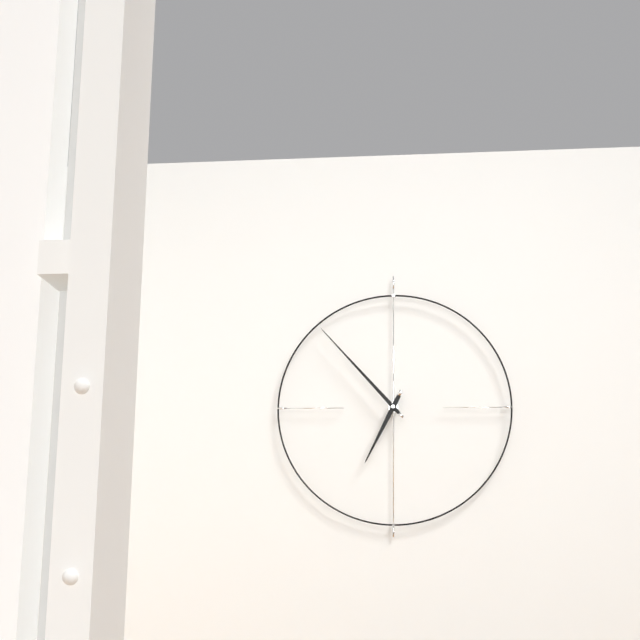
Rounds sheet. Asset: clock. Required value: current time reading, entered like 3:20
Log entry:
6:53
